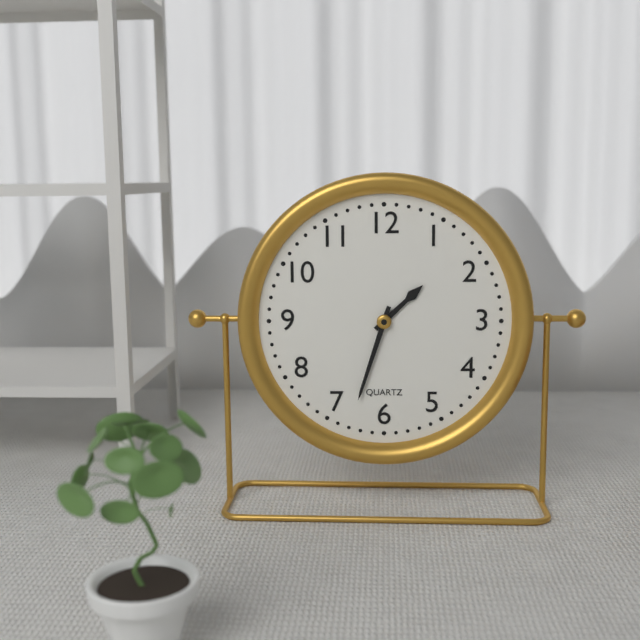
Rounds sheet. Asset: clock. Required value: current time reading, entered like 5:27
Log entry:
1:33
